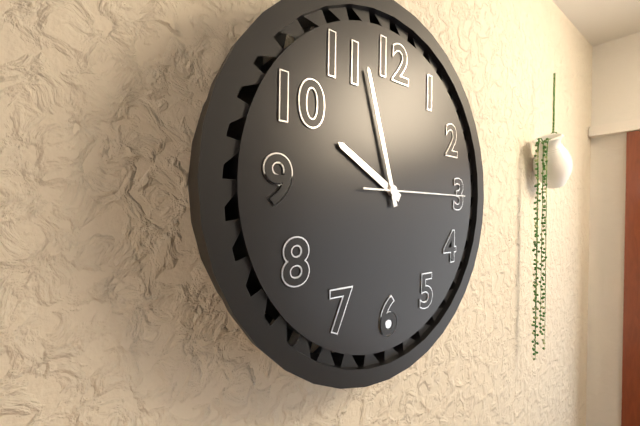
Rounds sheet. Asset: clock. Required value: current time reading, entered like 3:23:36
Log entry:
9:57:15
